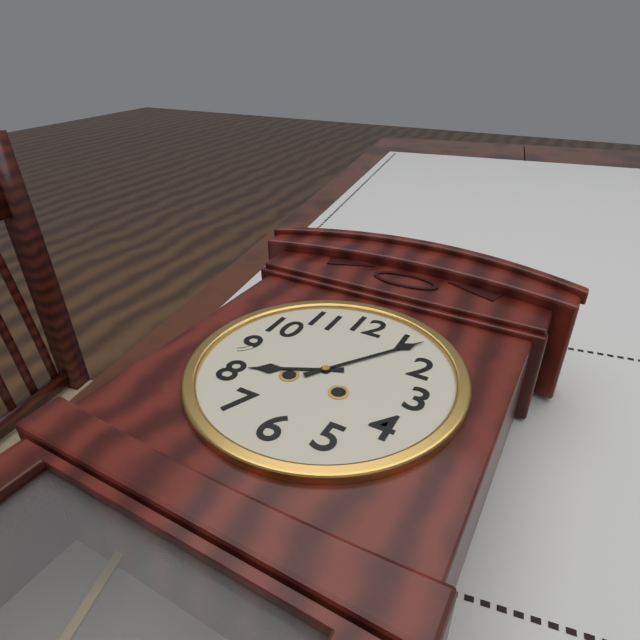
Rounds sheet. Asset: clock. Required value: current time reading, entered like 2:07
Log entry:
8:06
